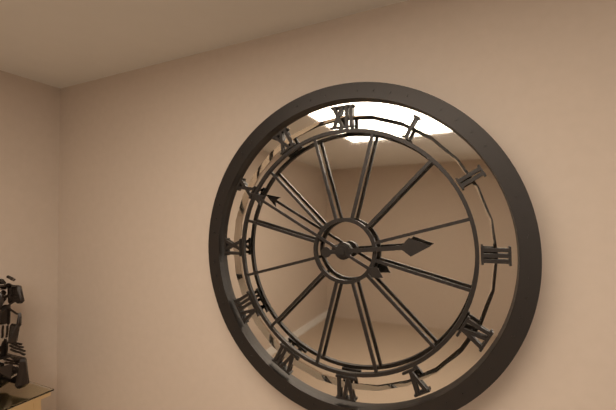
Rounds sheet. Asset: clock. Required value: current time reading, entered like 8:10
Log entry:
2:50
